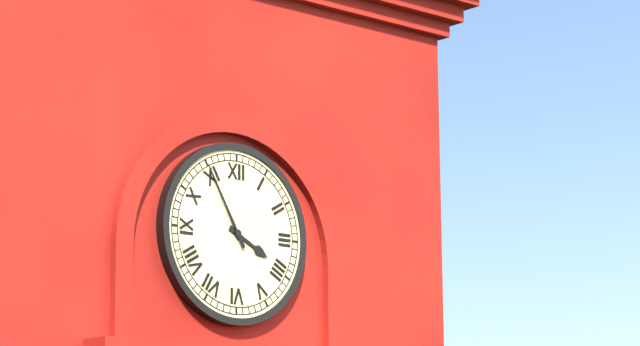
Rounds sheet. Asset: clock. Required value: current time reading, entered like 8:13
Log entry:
3:55
